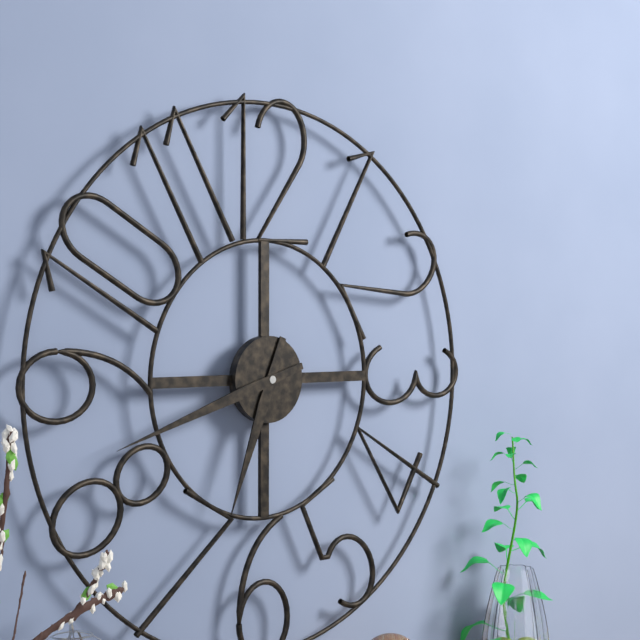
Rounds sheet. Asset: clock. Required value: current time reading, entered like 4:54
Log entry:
6:42
